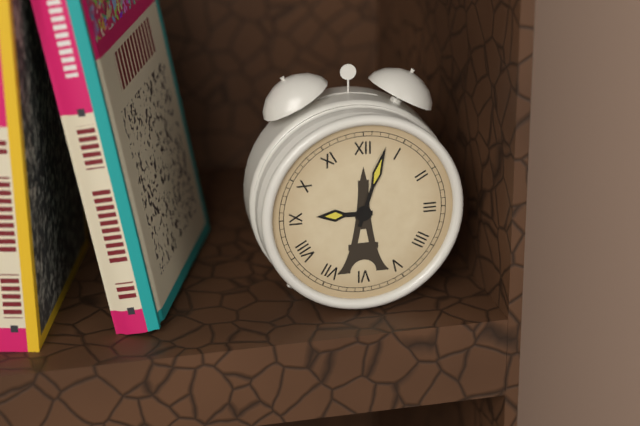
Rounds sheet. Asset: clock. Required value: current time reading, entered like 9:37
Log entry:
9:03
